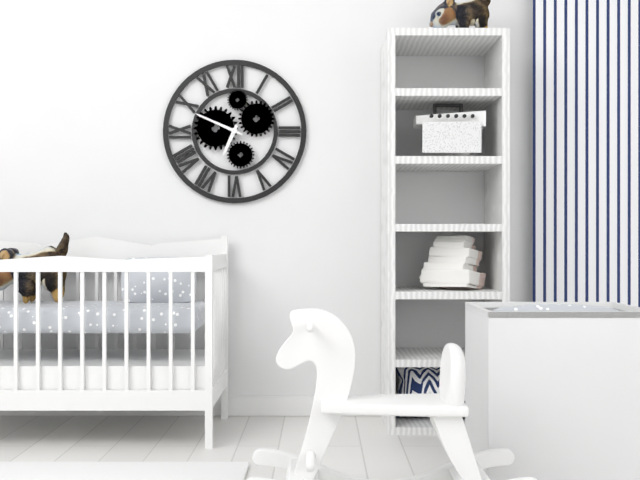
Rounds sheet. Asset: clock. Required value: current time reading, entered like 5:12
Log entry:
6:49
